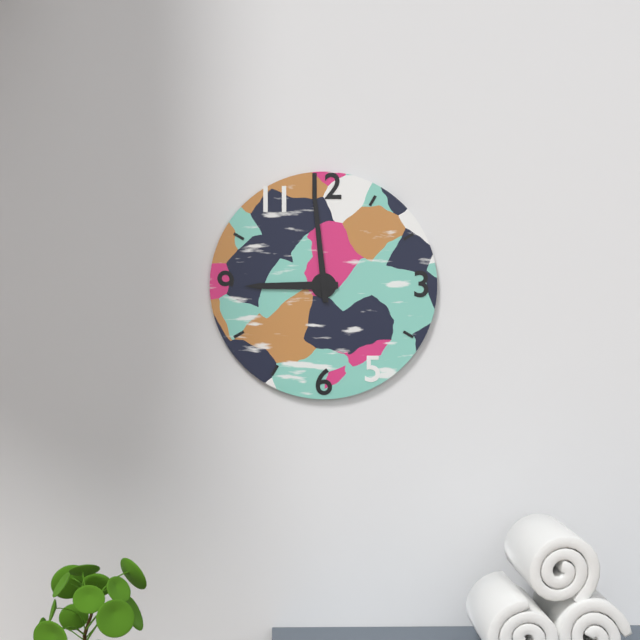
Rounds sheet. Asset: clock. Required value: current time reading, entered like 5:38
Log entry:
8:59
